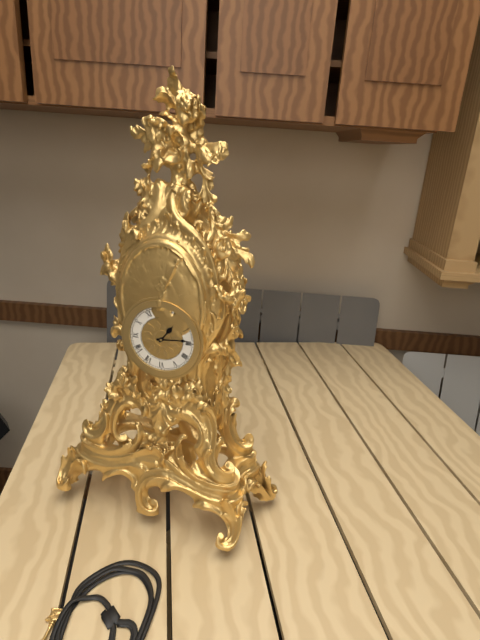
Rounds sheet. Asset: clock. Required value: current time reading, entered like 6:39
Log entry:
1:14
